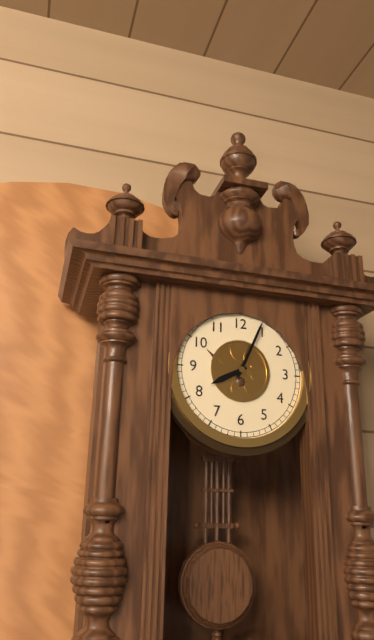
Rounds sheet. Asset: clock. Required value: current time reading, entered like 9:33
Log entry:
8:04
